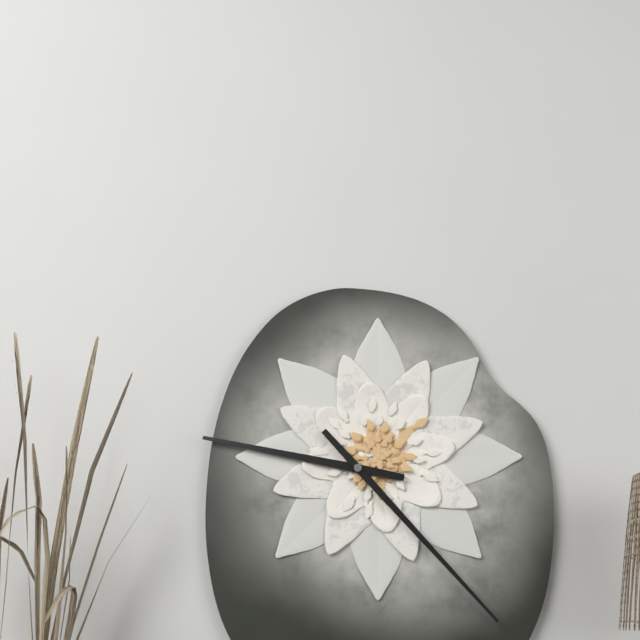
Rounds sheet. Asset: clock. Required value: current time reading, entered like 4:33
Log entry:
9:23
